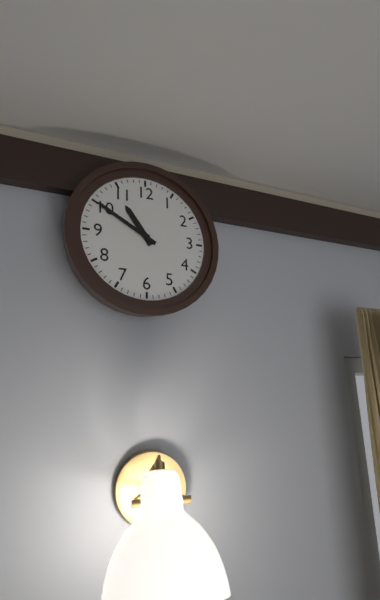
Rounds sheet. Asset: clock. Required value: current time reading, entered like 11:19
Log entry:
10:50
